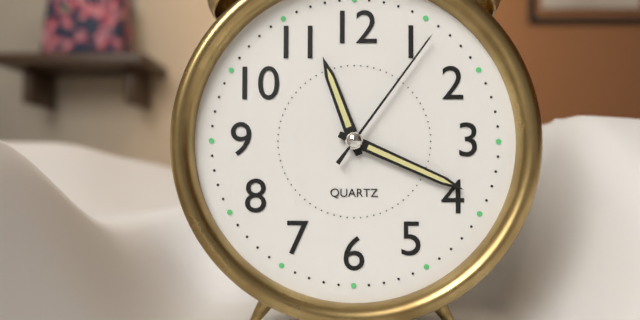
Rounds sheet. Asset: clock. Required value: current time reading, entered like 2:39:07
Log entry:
11:19:06
